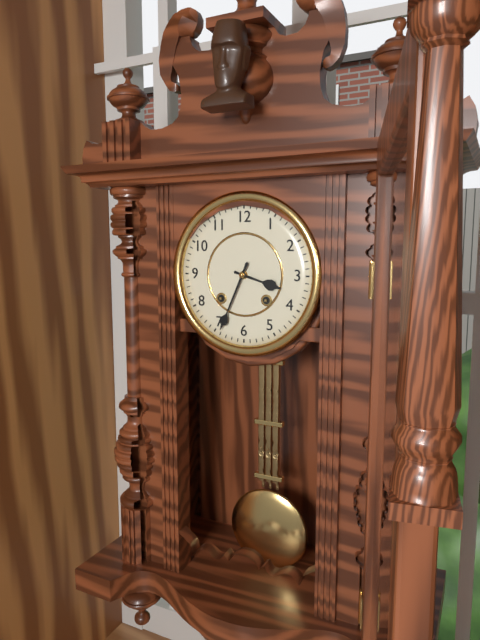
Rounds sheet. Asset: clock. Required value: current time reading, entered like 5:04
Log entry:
3:34
